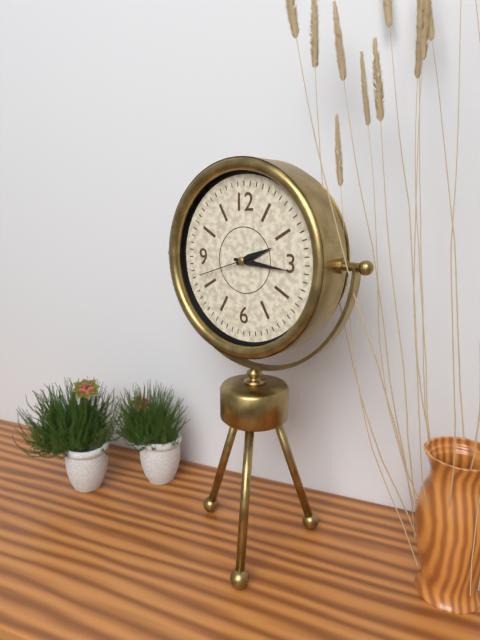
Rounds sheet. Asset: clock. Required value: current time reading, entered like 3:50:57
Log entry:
2:16:42
